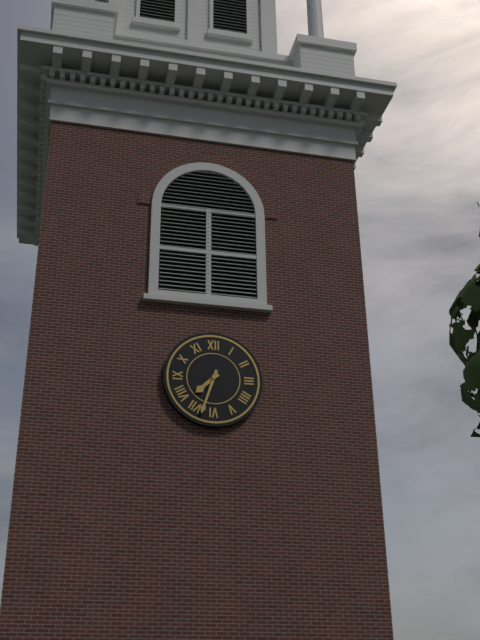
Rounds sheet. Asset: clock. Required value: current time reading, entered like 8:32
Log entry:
7:33
